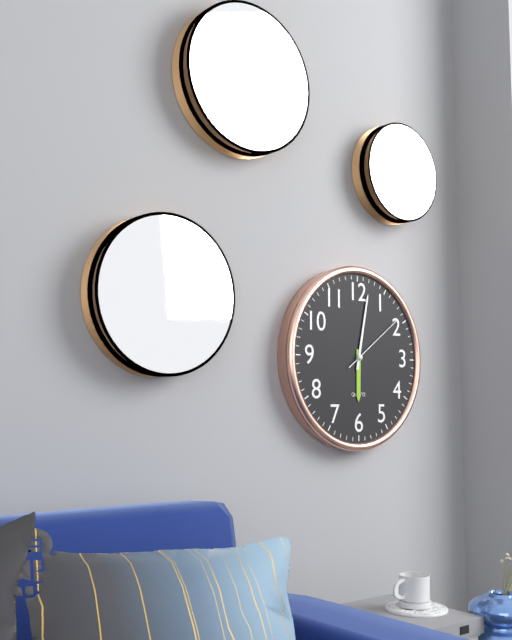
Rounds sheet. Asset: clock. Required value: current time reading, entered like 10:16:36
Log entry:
6:02:09
